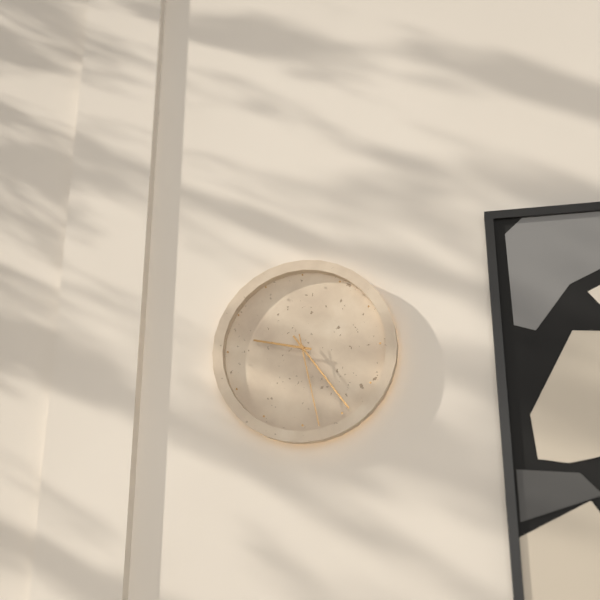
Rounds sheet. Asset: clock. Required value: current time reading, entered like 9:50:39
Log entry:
9:24:28
